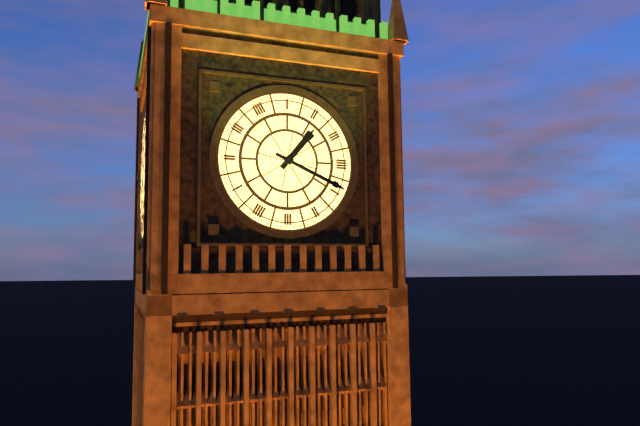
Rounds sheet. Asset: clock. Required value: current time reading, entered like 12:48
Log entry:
1:19
